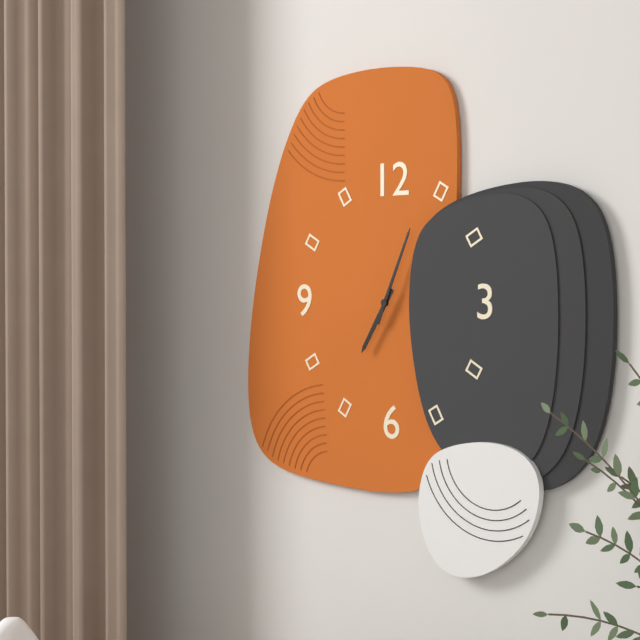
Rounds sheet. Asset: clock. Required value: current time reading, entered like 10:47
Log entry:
7:04
